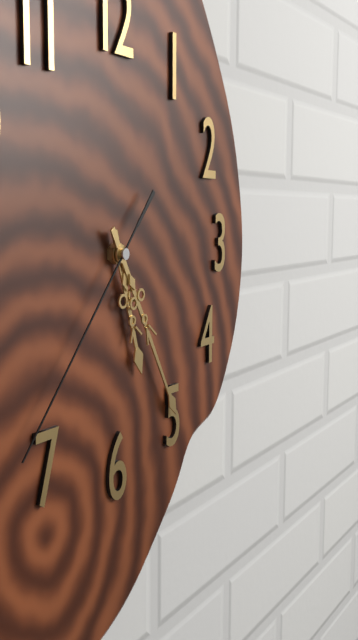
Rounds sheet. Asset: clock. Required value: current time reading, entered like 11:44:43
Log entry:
5:25:37
